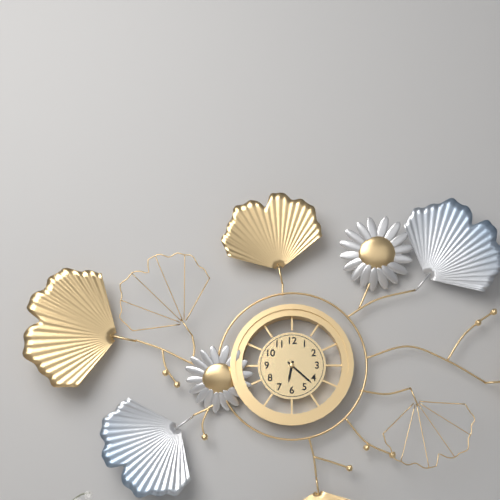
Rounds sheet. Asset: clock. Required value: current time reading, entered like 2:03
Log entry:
6:22
